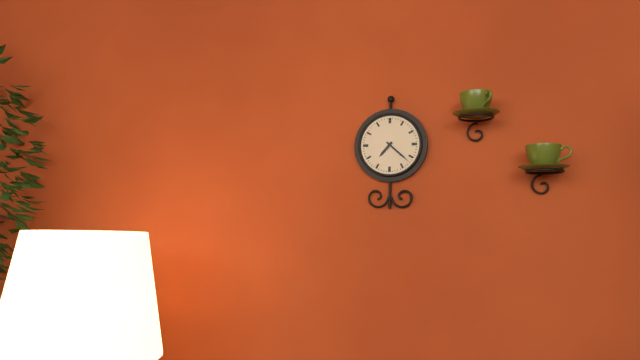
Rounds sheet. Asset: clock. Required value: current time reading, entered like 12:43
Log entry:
7:22
